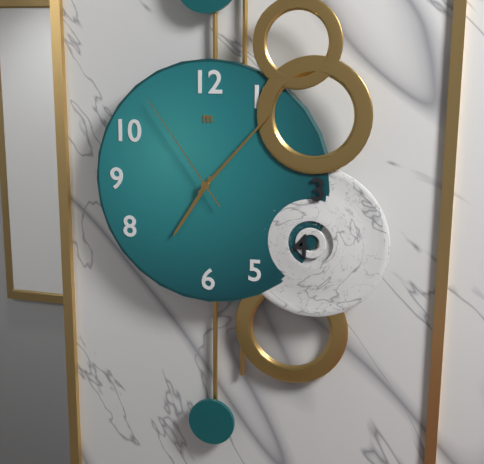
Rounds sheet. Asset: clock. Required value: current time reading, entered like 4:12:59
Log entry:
7:07:54
